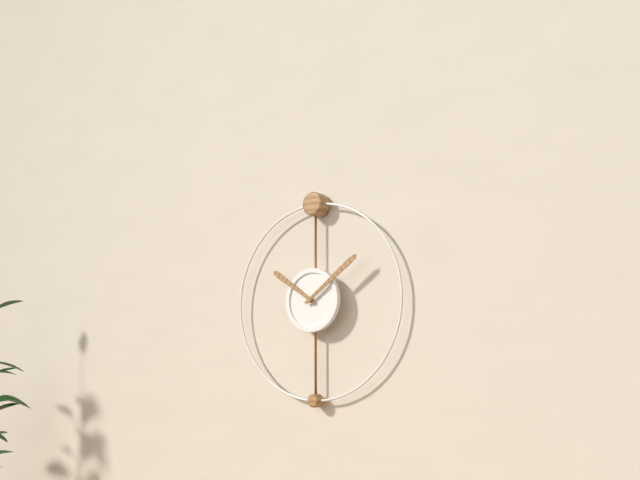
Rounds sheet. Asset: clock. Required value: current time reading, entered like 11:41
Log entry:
10:09
